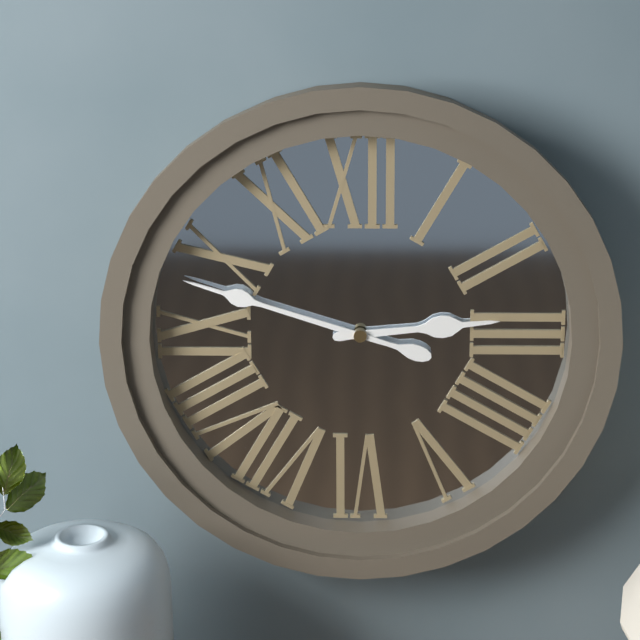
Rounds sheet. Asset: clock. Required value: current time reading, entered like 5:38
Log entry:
2:48
